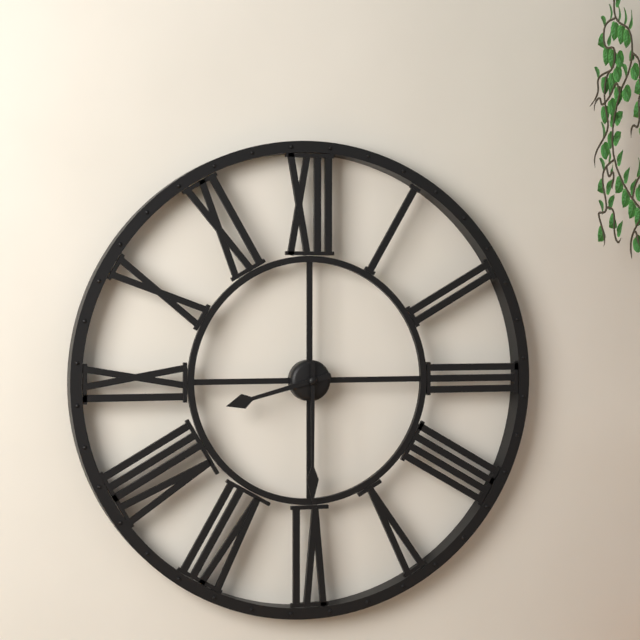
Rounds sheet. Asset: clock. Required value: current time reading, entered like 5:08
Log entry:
8:30
